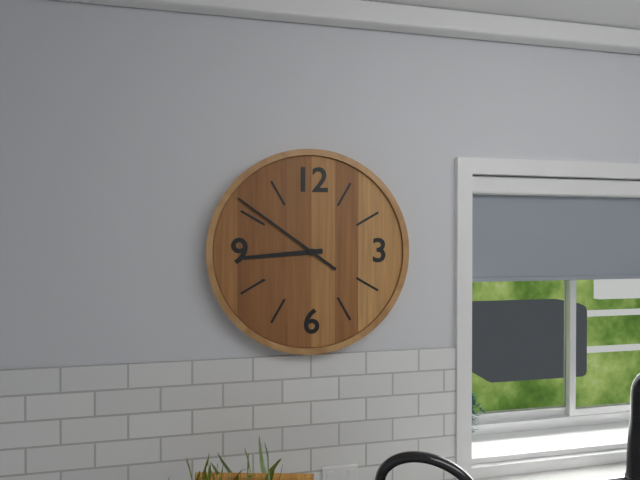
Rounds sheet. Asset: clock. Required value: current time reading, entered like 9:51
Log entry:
8:51
